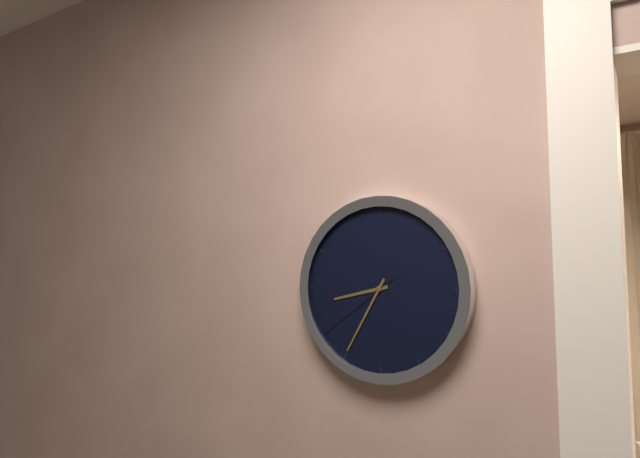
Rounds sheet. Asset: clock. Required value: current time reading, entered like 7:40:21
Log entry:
8:35:39
